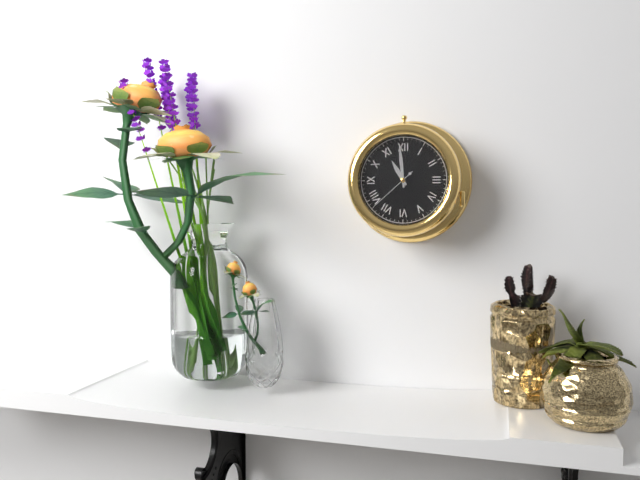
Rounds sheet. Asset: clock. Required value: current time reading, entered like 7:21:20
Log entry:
10:59:38
